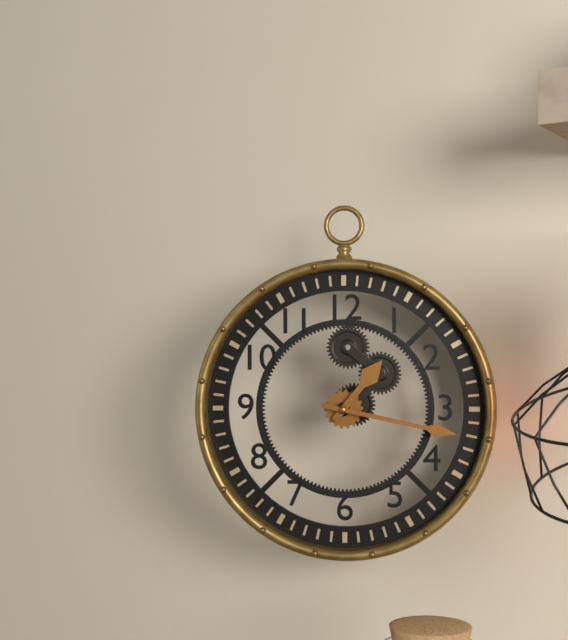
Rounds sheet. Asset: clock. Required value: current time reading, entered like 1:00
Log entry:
1:17
